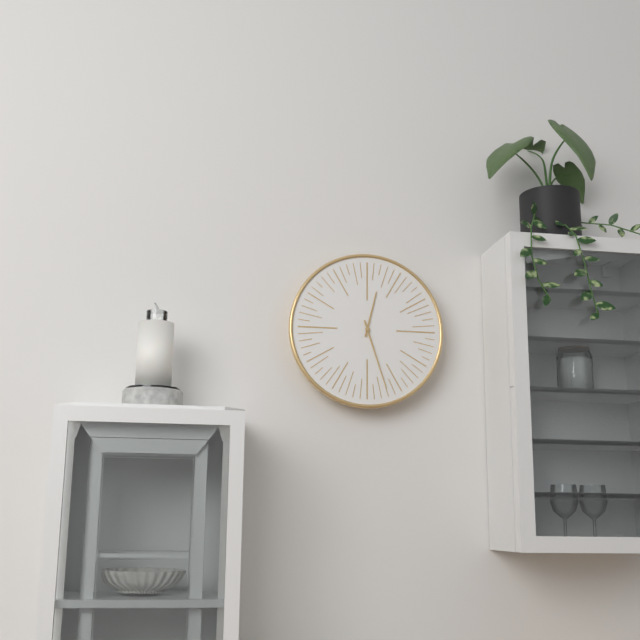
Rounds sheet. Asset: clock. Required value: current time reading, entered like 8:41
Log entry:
12:27
